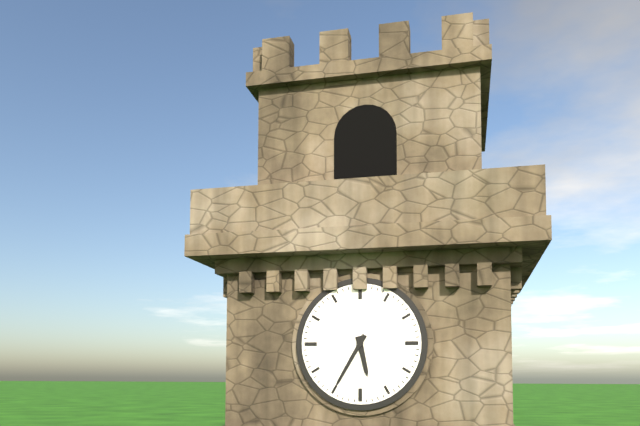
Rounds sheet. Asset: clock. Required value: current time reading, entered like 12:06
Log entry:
5:35
